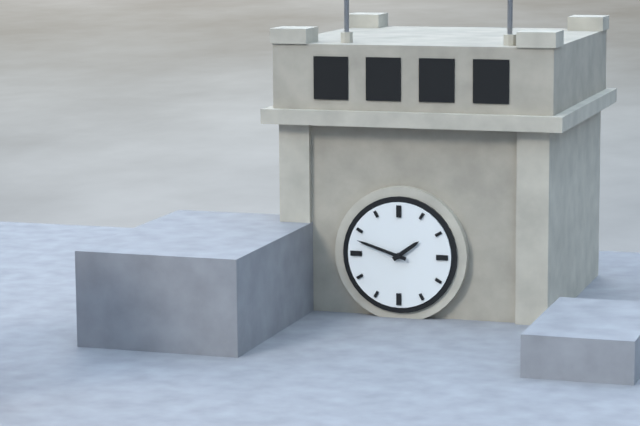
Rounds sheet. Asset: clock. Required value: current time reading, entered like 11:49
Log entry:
1:48
